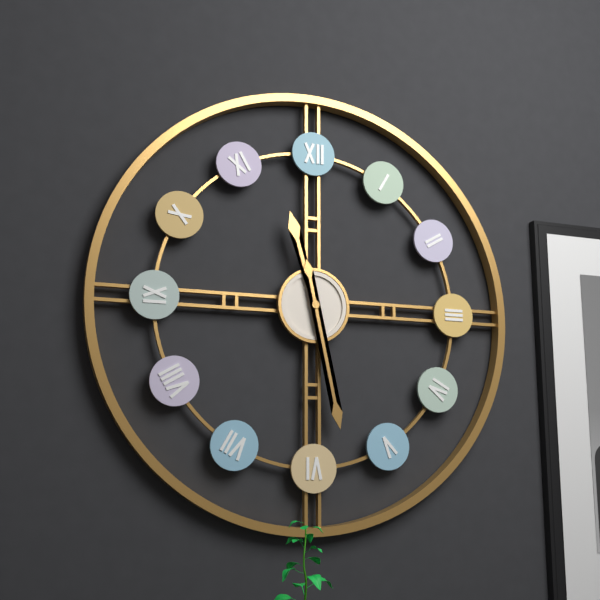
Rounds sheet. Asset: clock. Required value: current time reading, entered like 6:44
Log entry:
11:28
